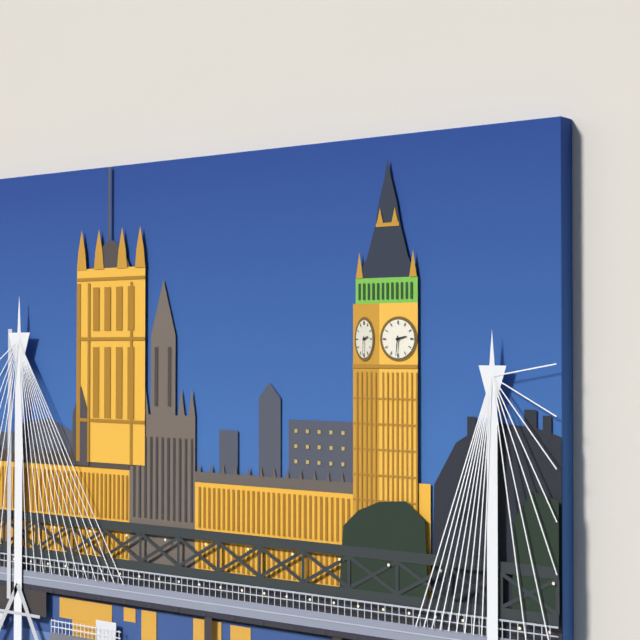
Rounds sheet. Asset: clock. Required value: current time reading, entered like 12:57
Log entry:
2:31
